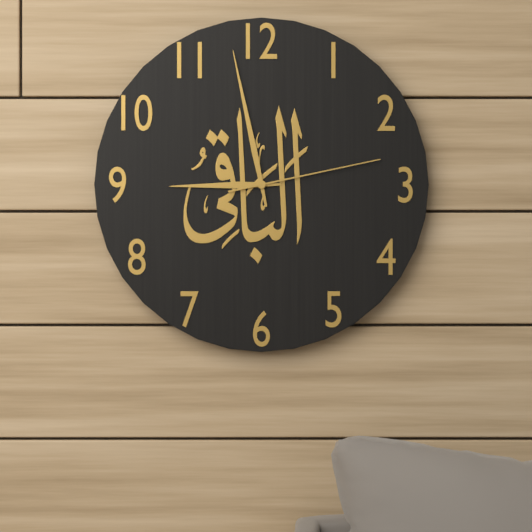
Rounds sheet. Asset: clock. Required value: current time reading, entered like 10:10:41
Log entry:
8:58:13
